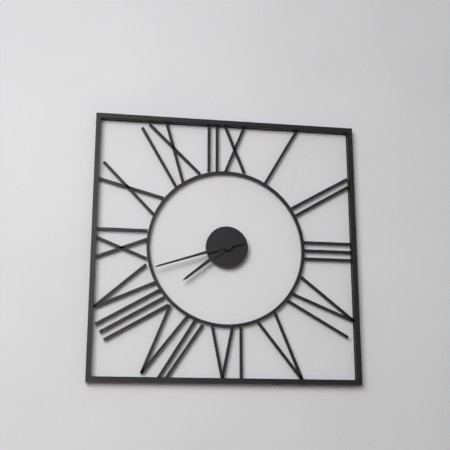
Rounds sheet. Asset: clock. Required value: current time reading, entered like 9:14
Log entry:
7:42
